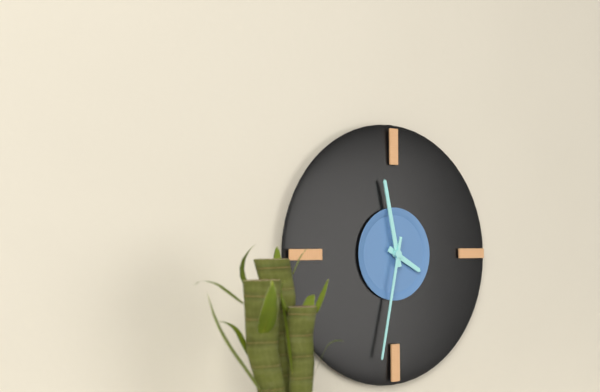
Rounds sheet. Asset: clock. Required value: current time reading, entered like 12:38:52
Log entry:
3:58:32
